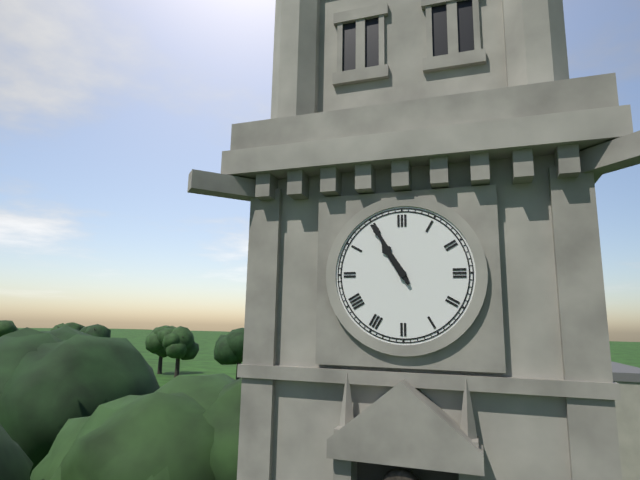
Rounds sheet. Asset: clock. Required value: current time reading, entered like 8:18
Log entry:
10:55
